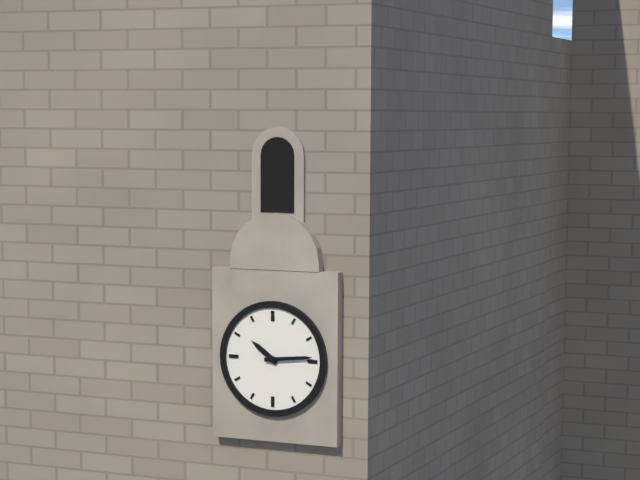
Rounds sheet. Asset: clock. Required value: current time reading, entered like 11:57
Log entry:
10:14
